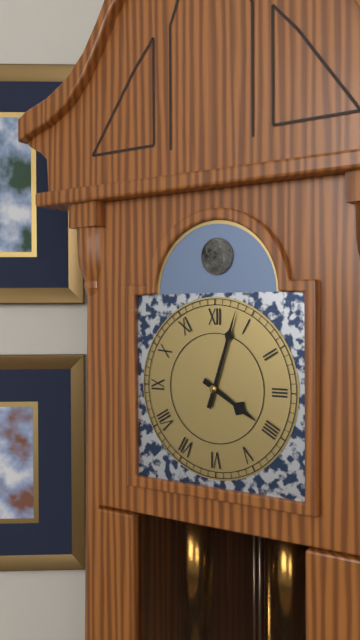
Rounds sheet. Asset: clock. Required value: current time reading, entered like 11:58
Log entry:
4:03
